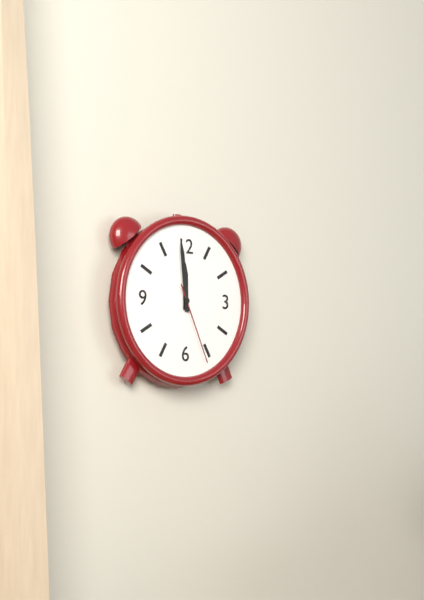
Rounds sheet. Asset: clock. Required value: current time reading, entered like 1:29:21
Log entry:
11:59:26
